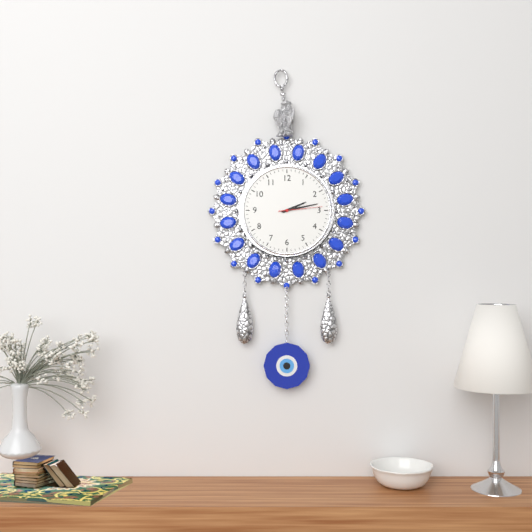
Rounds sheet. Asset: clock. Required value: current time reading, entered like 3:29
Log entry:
2:13
